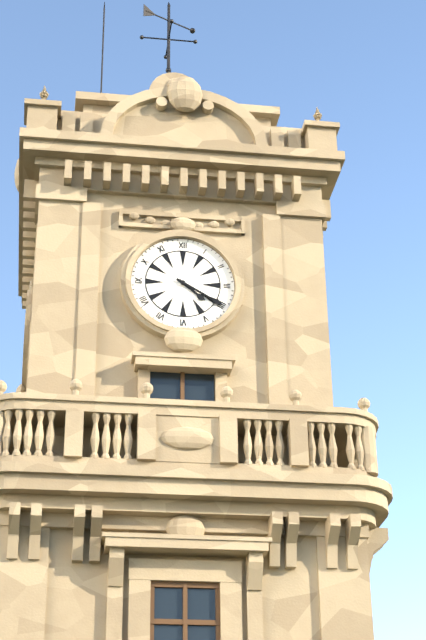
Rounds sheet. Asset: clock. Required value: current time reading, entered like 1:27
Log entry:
4:20
